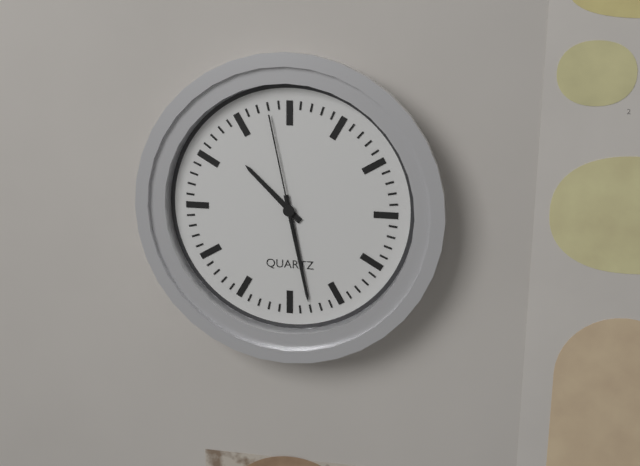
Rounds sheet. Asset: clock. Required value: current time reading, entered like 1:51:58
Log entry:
10:28:58
